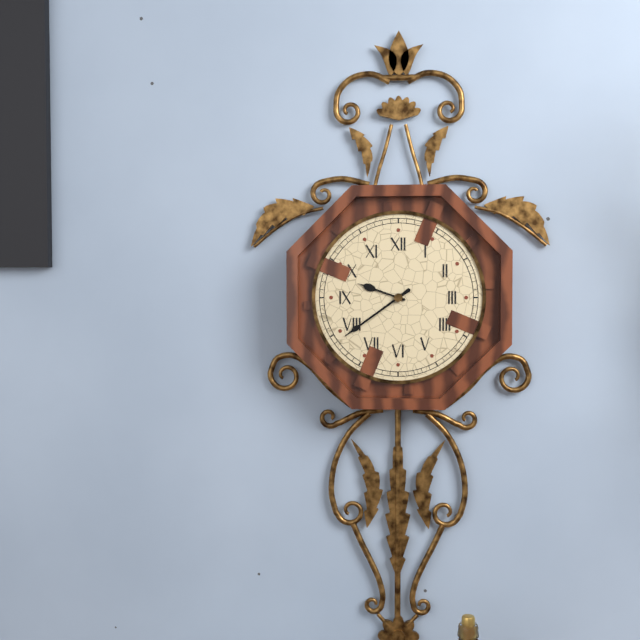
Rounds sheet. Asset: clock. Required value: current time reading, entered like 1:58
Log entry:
9:39
